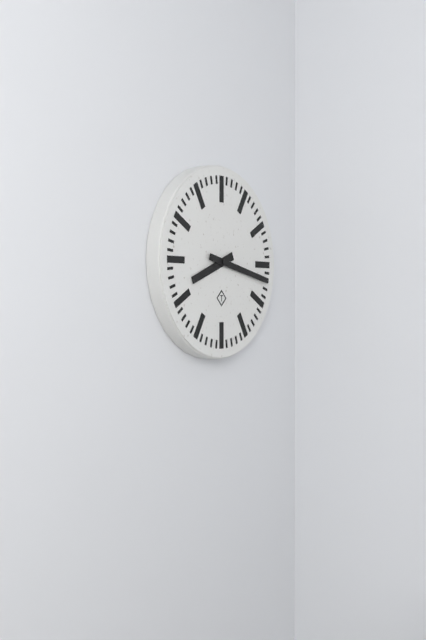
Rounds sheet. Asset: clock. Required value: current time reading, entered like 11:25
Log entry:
8:17
